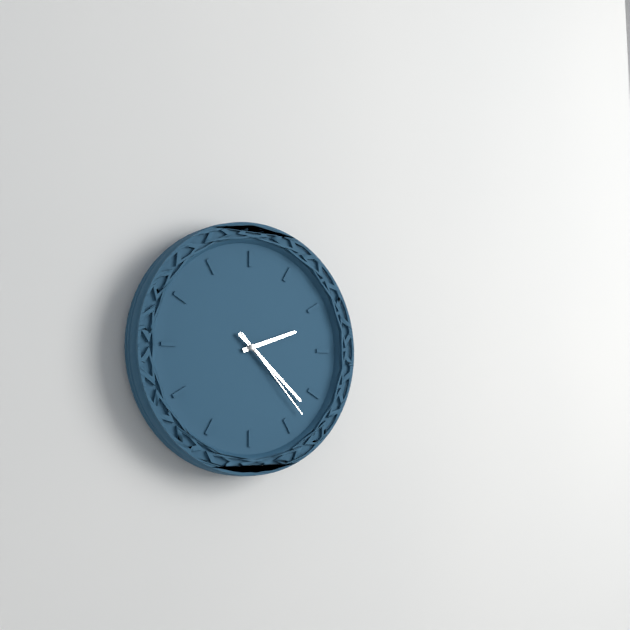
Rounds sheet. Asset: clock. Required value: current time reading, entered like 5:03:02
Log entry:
2:22:23
